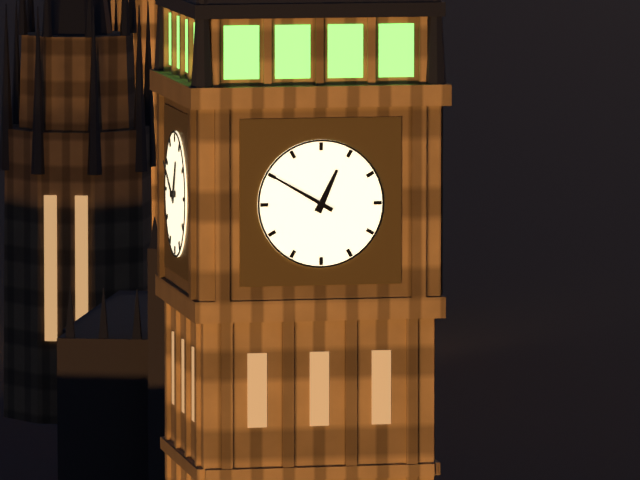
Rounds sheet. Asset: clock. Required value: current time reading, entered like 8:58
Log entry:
12:50
